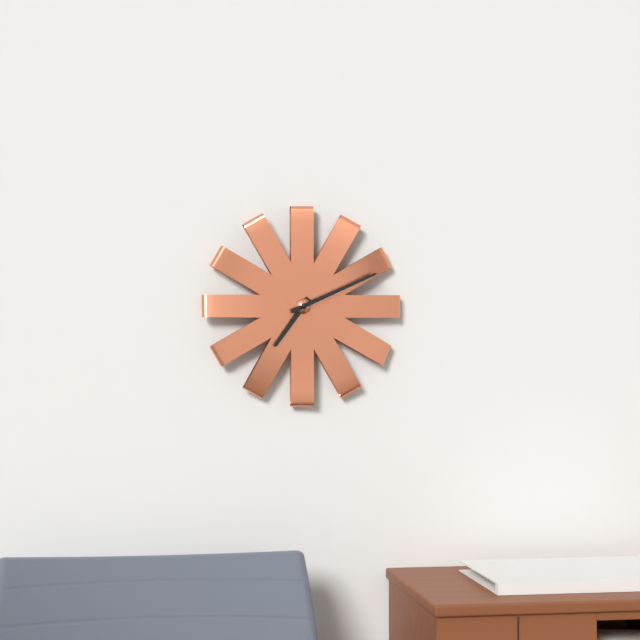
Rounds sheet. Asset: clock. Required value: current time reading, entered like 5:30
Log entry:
7:11
